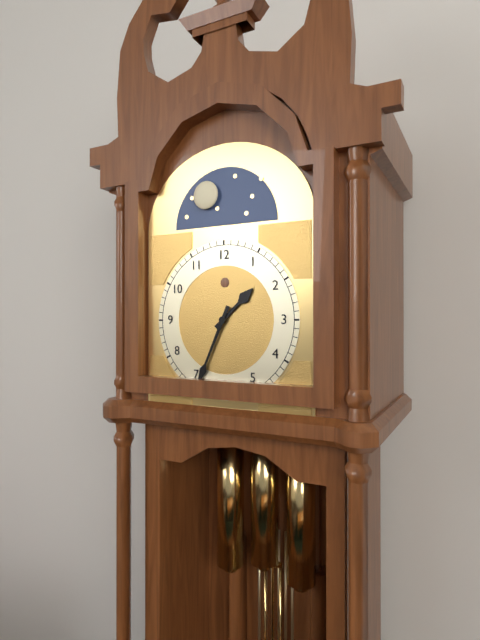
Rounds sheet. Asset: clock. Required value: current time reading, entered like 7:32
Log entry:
1:34
